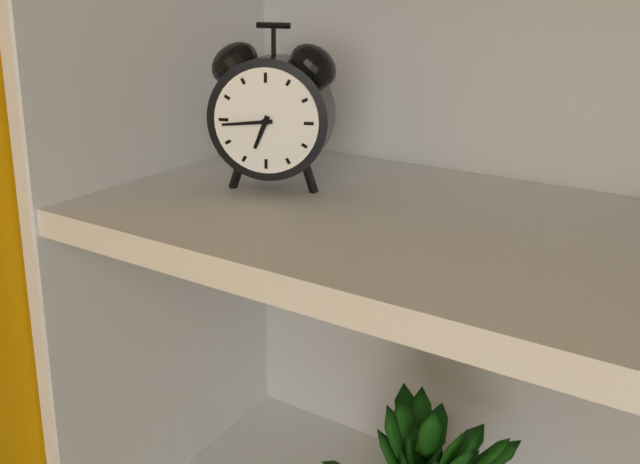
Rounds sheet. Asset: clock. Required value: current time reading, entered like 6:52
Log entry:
6:44
